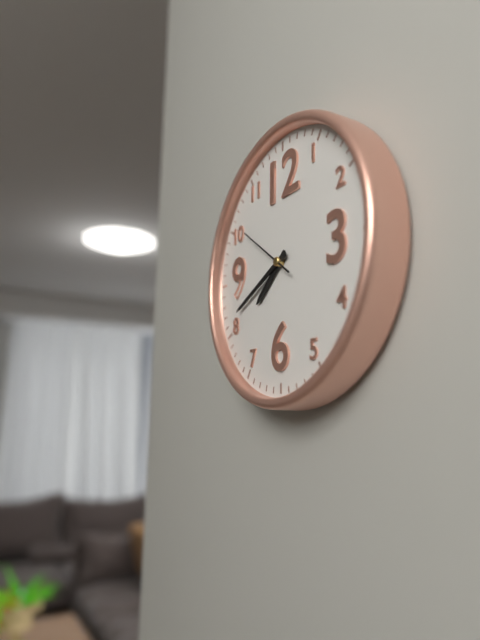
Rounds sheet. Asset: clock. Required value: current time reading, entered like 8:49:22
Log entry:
7:41:51
